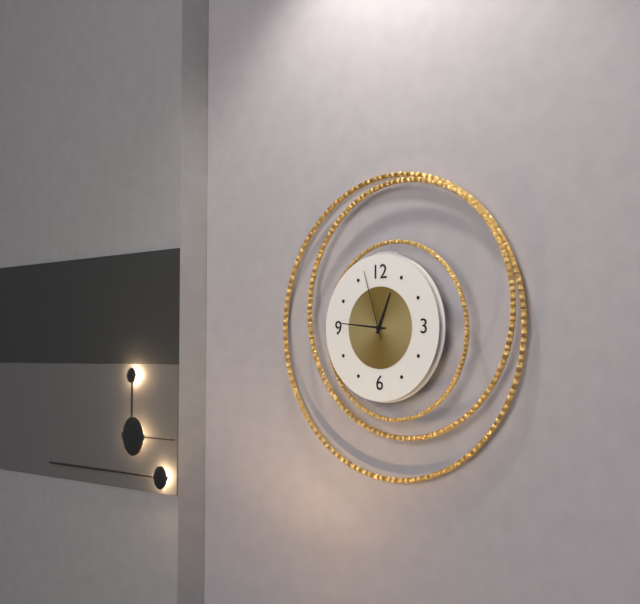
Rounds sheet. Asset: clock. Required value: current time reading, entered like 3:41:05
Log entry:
12:46:57
